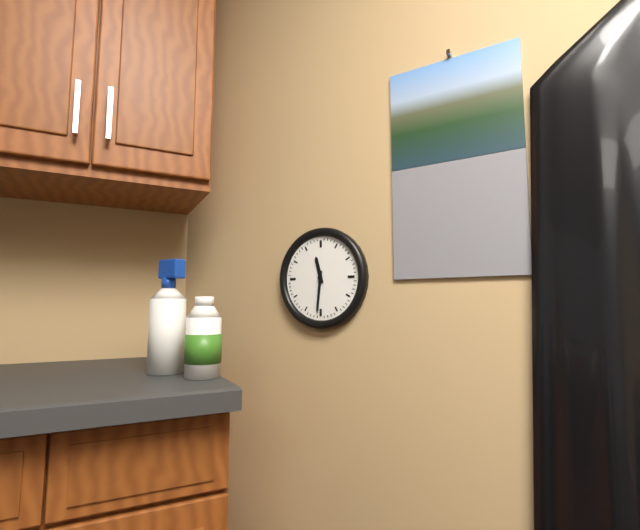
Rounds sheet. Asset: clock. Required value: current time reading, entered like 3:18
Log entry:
11:31
